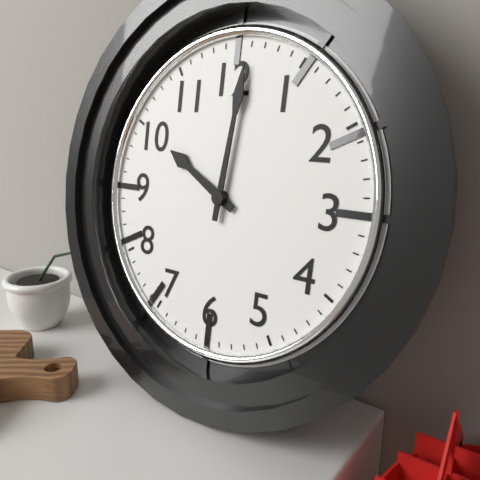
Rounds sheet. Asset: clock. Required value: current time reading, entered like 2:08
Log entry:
10:01
